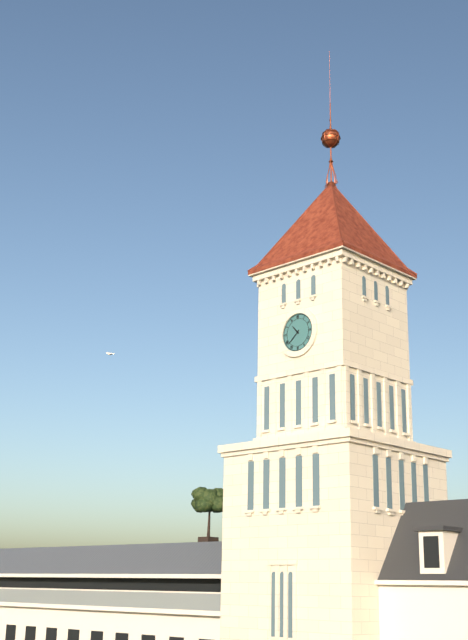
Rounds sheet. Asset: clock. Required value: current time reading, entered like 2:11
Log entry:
10:38
